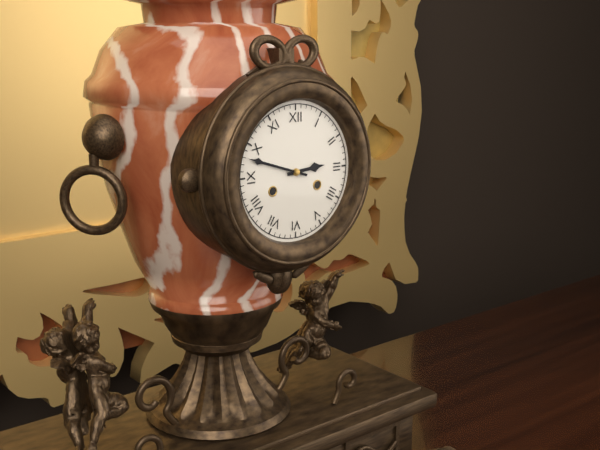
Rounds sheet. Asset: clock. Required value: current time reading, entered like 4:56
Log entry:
2:48
